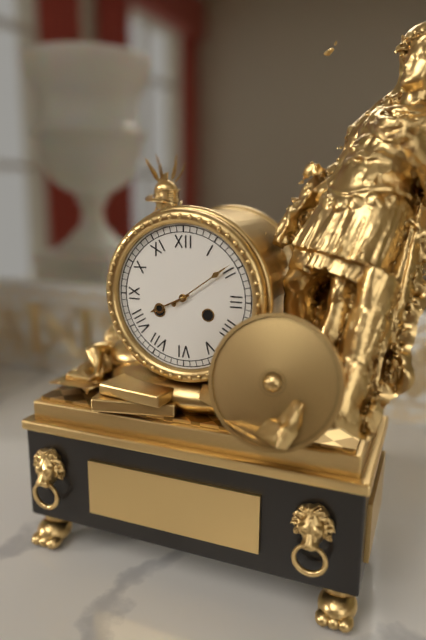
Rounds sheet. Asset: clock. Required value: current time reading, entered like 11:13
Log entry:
8:09
